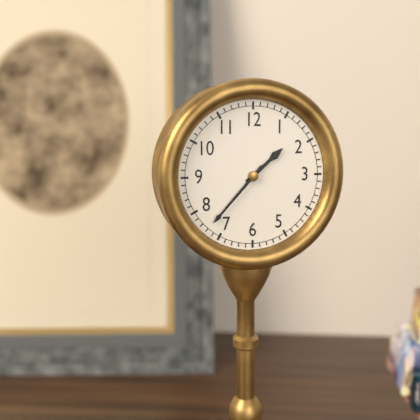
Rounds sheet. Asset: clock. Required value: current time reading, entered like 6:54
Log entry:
1:37
